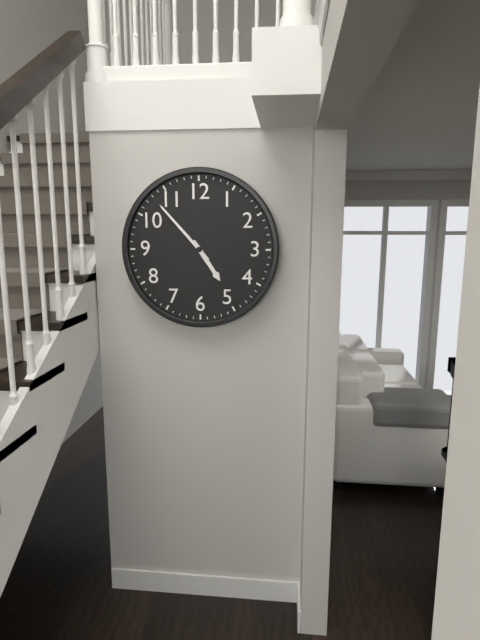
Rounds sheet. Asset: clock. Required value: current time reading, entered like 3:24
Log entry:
4:53
